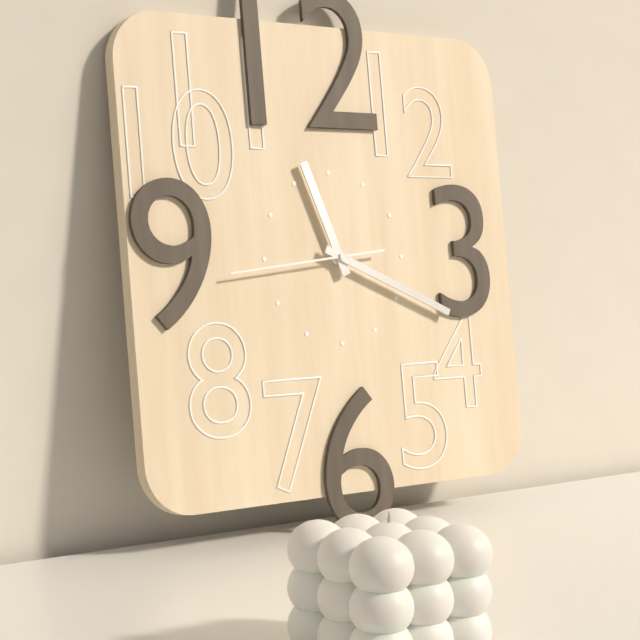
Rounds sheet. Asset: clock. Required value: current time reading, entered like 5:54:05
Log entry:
11:19:44
